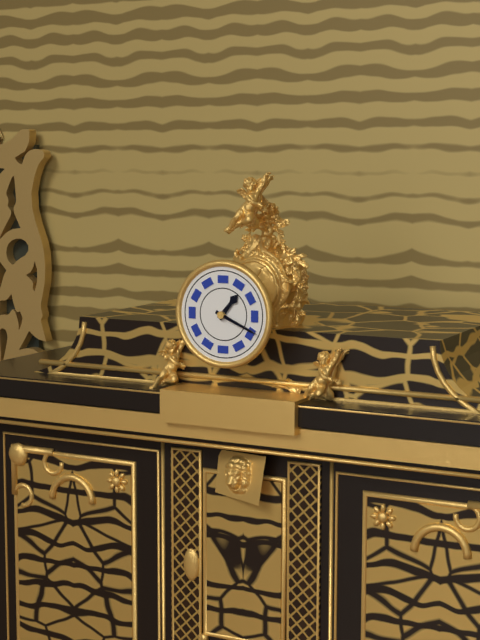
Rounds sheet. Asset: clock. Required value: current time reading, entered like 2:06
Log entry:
1:19
